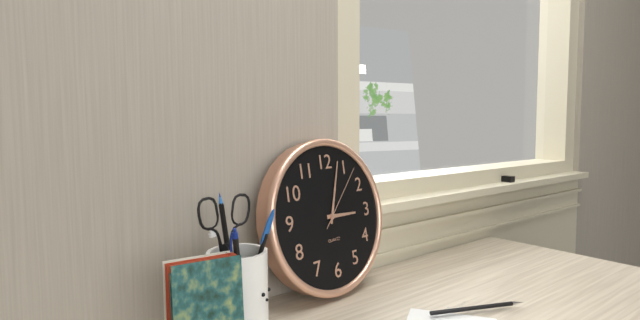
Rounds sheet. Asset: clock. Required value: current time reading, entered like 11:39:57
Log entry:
3:03:07
